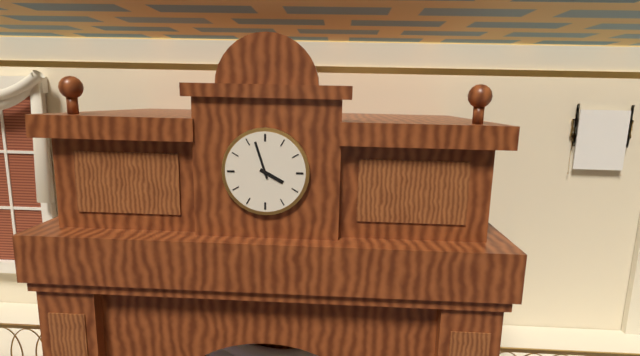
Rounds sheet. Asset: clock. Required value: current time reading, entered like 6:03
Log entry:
3:57
